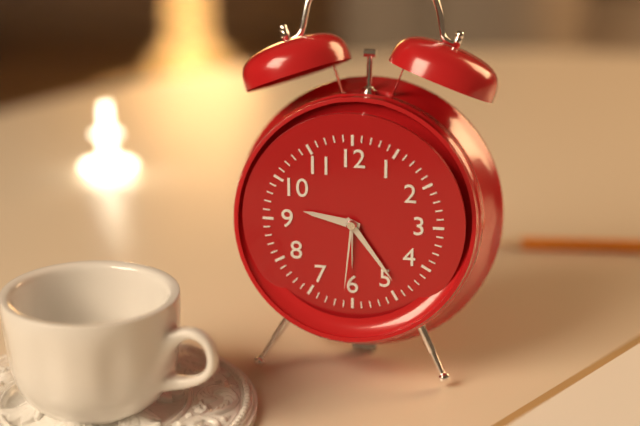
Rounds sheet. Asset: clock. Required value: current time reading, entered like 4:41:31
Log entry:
9:24:31
